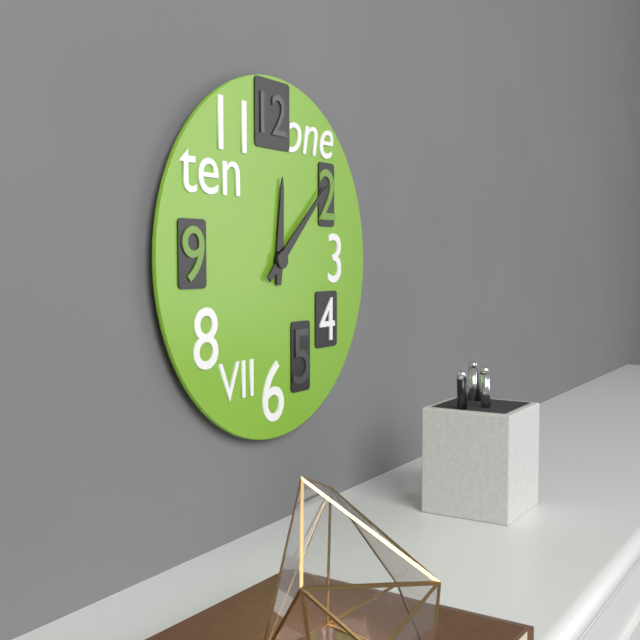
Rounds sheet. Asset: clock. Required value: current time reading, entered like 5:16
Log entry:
12:08
